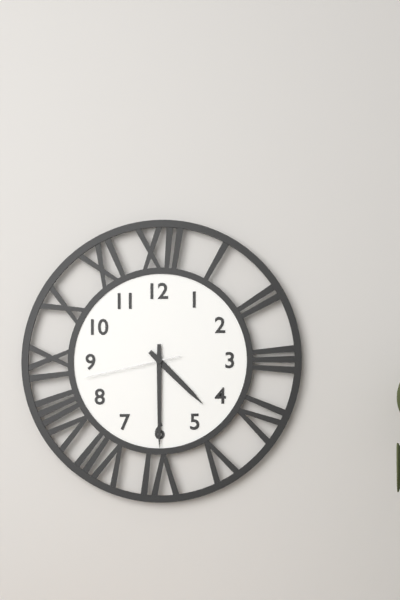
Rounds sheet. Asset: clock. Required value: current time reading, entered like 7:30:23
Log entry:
4:30:43
